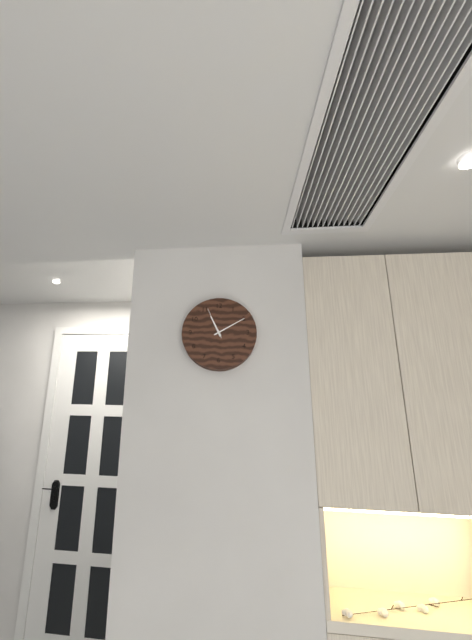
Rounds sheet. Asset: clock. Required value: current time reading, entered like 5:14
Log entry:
11:10
